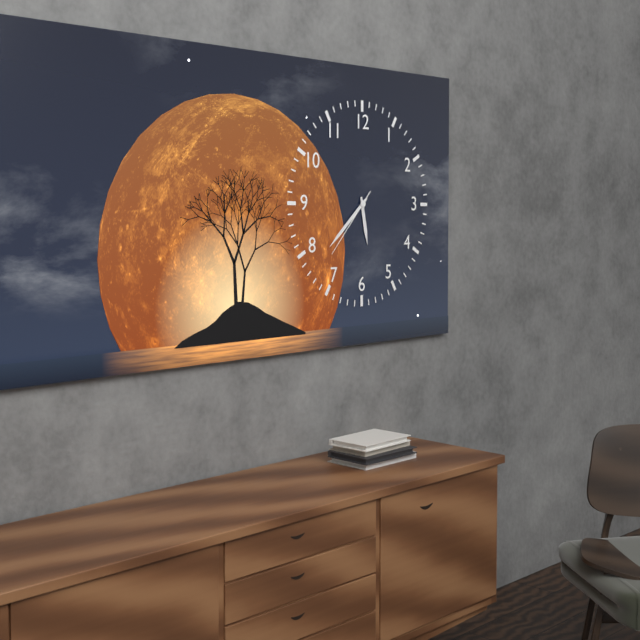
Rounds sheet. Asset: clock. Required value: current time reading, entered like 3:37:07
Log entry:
5:38:37
